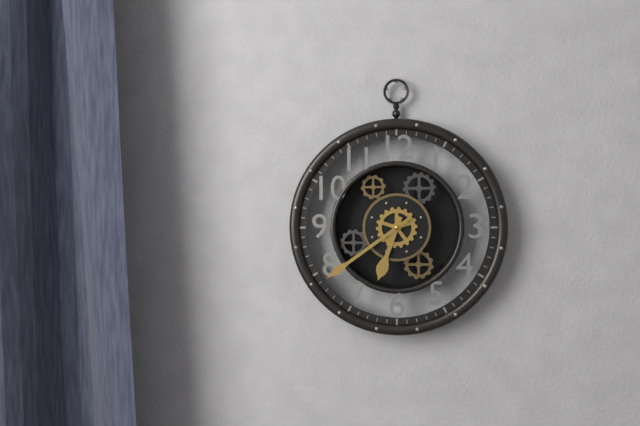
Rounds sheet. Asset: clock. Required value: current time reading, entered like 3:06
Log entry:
6:39
